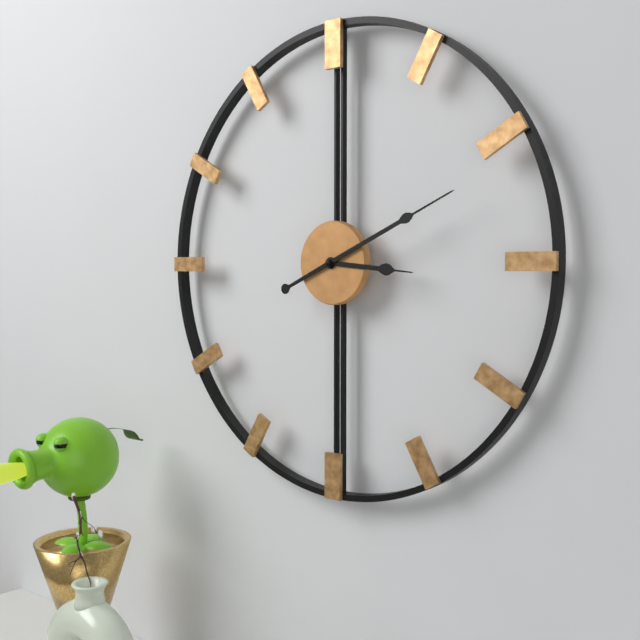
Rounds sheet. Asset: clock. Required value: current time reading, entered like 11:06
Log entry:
3:11
